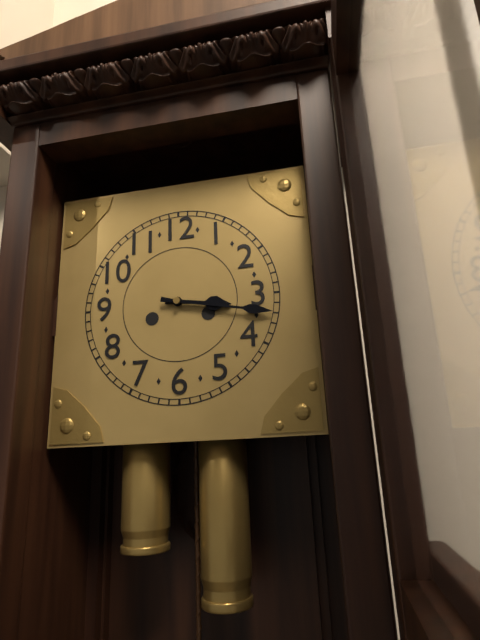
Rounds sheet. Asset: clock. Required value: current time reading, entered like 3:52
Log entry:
3:17
